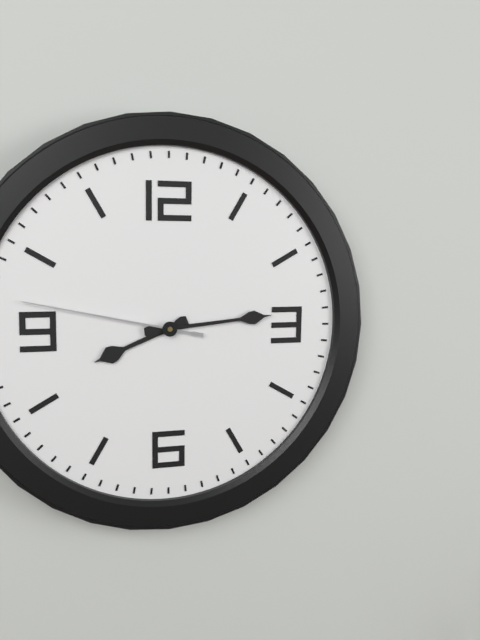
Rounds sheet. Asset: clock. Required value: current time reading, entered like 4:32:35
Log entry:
8:14:47
